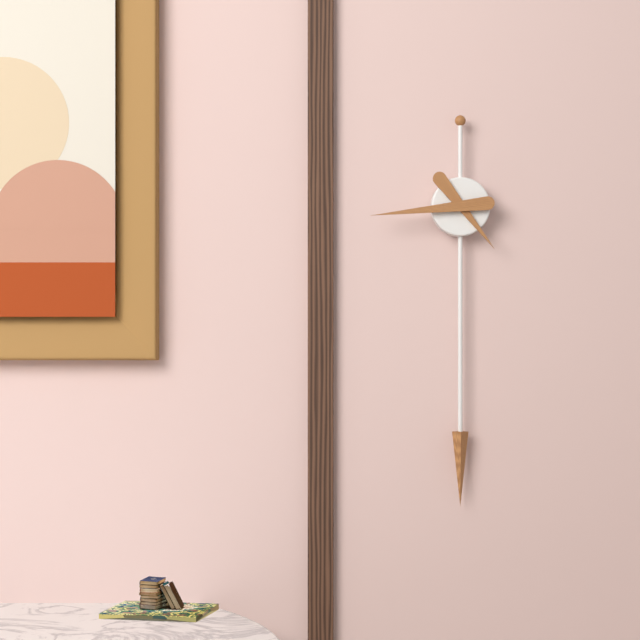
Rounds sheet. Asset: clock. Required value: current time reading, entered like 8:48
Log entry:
4:44
